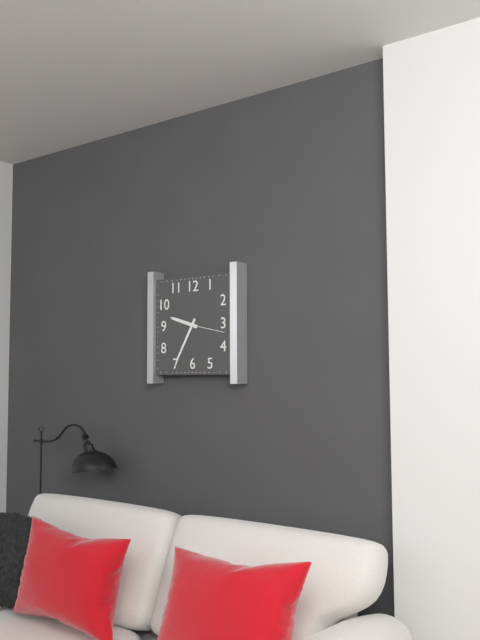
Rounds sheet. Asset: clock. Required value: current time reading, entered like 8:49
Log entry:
9:35
